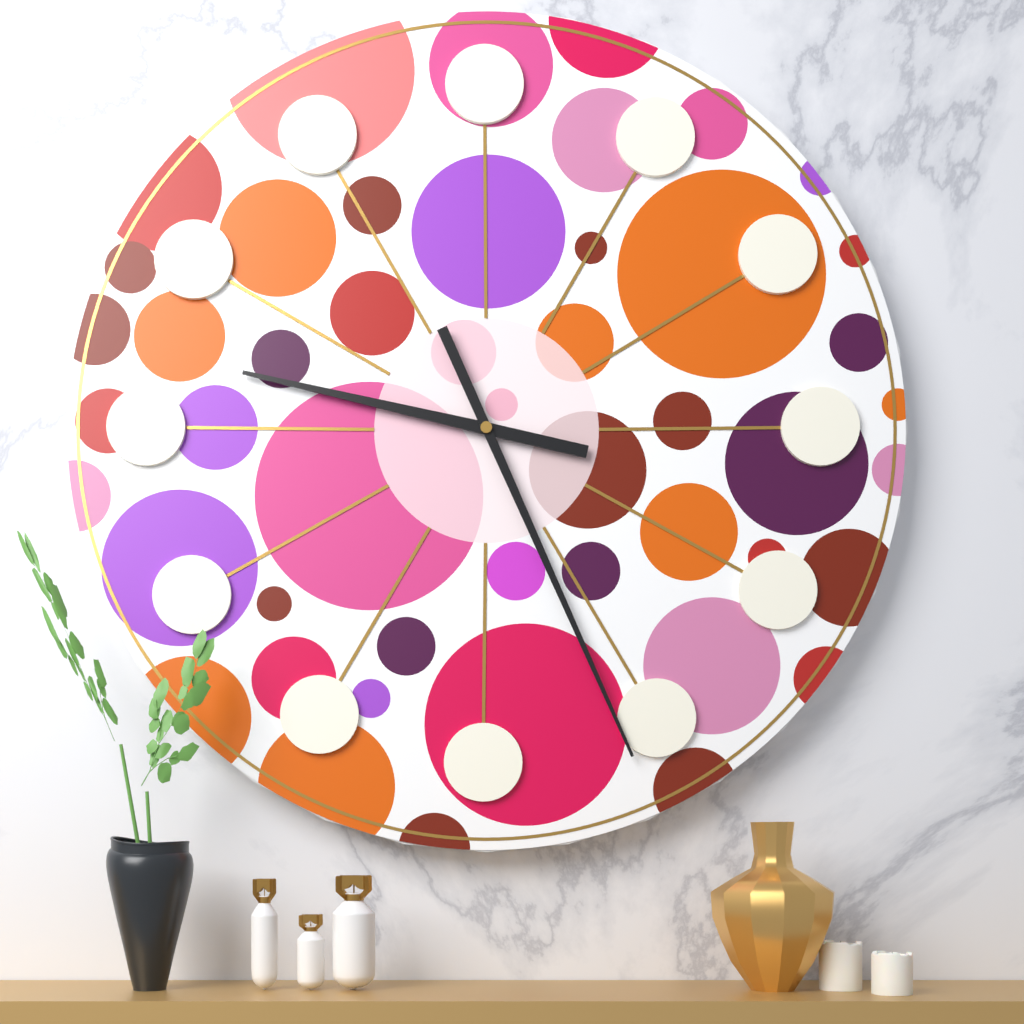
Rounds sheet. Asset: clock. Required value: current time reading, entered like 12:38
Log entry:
9:26
